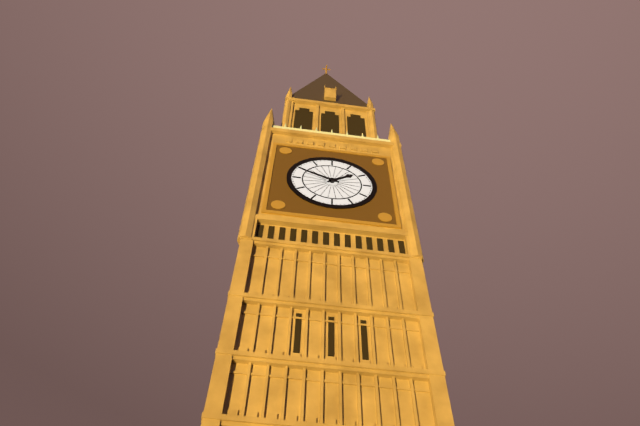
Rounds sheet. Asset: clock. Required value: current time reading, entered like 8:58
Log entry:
1:49
